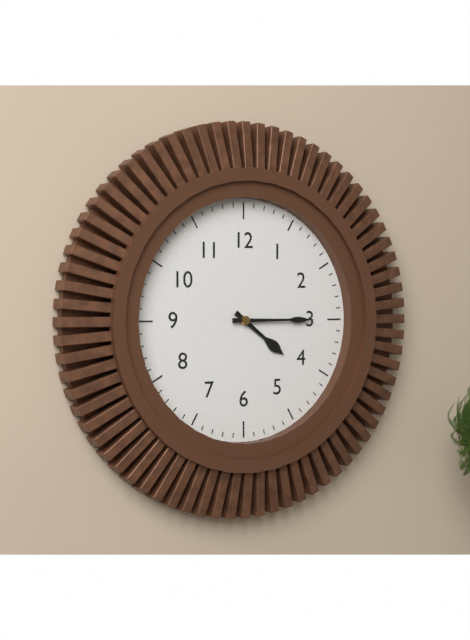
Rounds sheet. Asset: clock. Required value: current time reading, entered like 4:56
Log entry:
4:15
